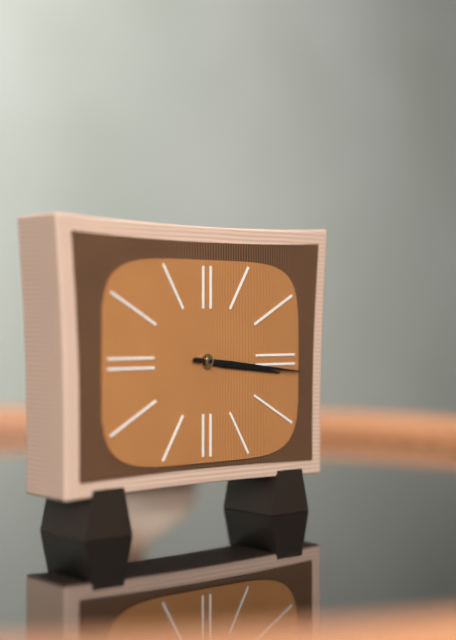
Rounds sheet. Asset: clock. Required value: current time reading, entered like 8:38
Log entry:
3:16
